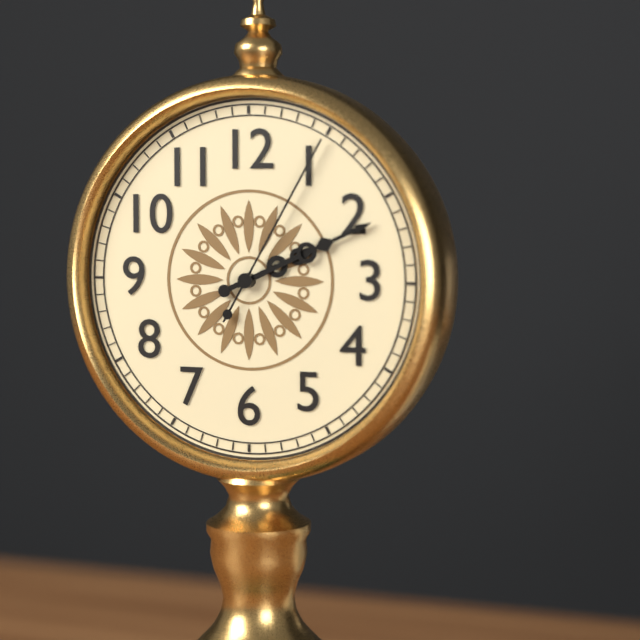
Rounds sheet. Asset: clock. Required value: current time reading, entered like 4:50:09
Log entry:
2:11:05
